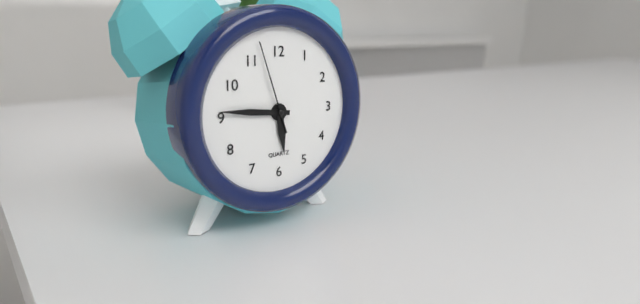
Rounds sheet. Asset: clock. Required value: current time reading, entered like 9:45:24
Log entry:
5:46:57
